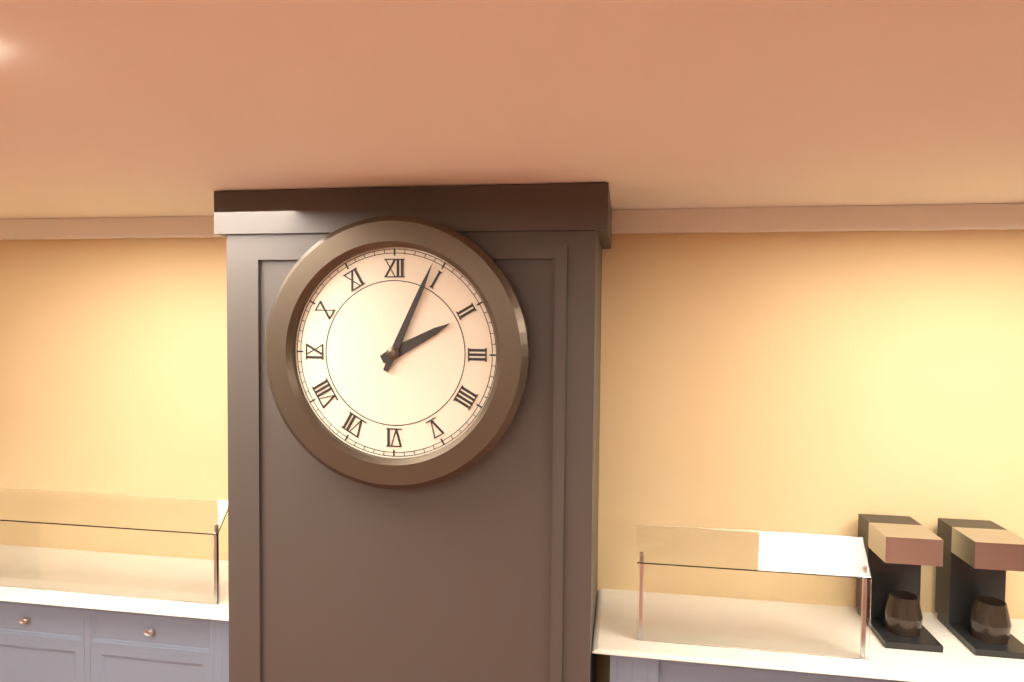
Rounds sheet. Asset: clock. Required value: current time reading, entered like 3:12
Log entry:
2:04
